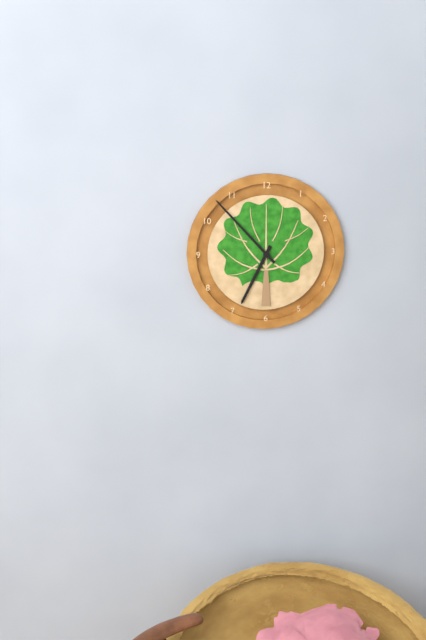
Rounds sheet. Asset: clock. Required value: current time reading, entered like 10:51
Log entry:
6:53
